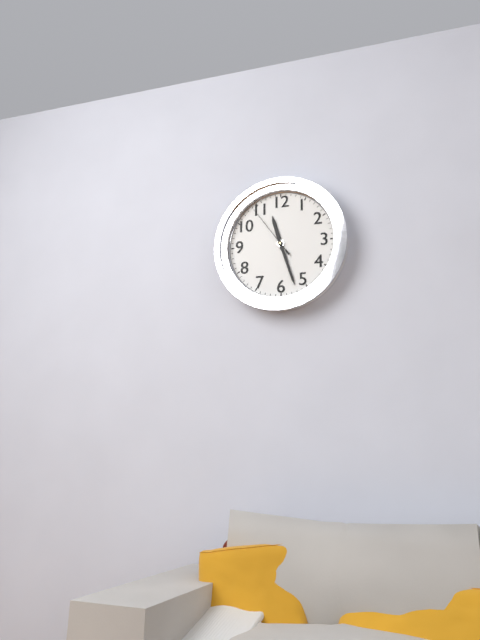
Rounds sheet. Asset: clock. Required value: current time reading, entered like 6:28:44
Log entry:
11:27:54
